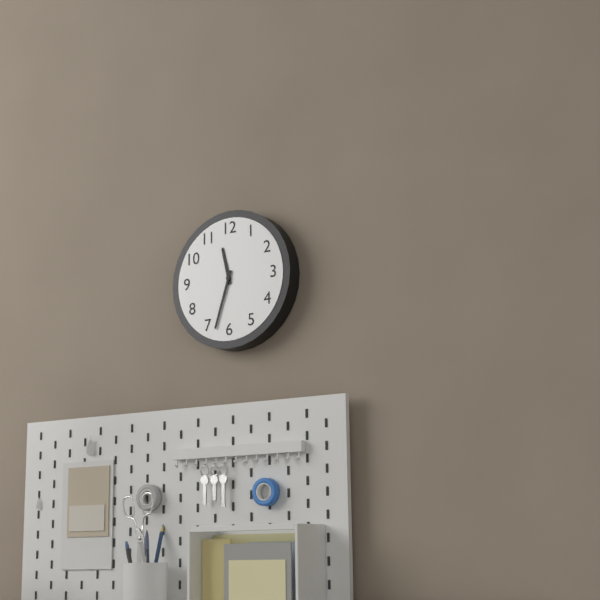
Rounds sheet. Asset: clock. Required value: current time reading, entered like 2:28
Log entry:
11:33
